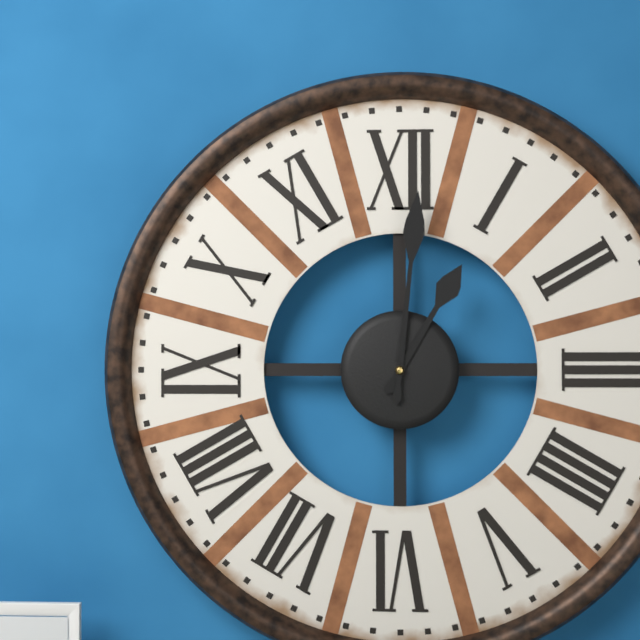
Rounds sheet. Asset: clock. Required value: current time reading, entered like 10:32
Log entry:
1:01
